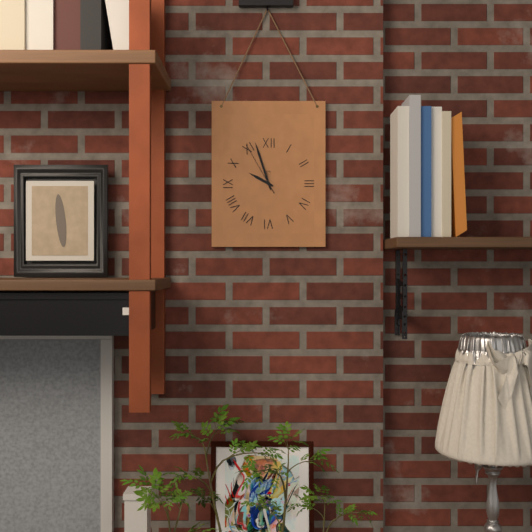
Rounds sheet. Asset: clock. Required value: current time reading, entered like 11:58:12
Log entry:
9:57:55
